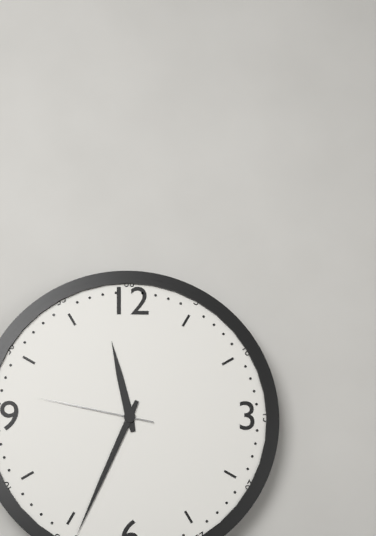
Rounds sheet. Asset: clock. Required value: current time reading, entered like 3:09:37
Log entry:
11:34:47
